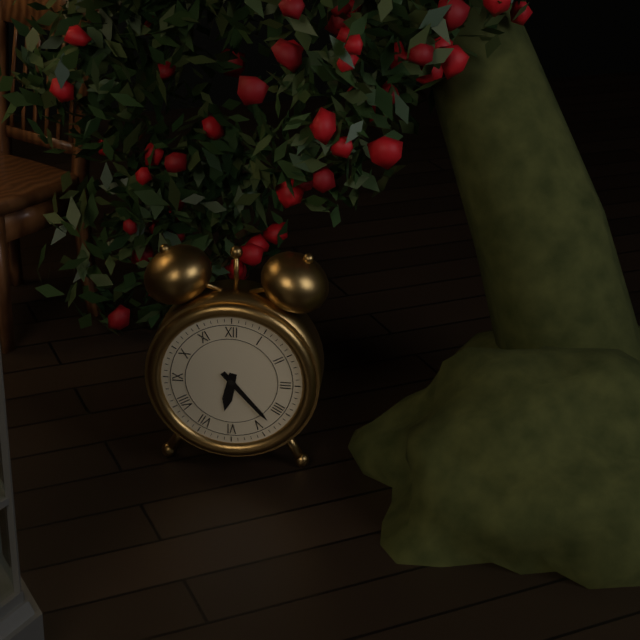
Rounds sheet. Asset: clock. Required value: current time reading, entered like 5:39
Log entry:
6:23
